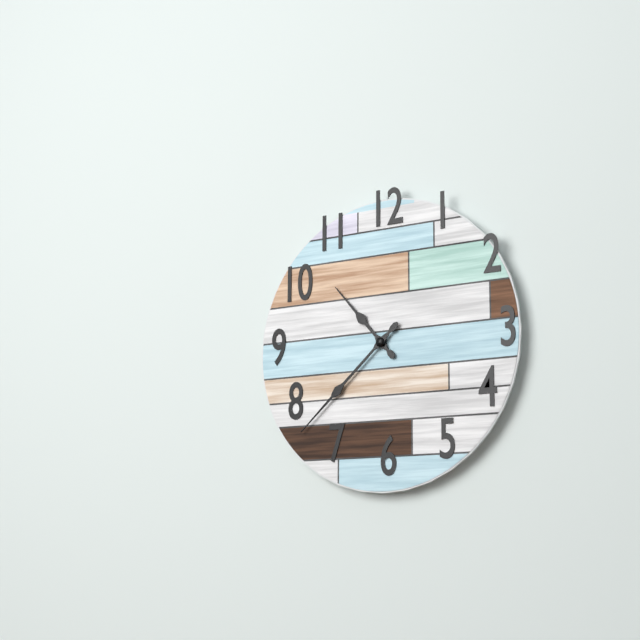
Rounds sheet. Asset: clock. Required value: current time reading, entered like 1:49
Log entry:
10:38
